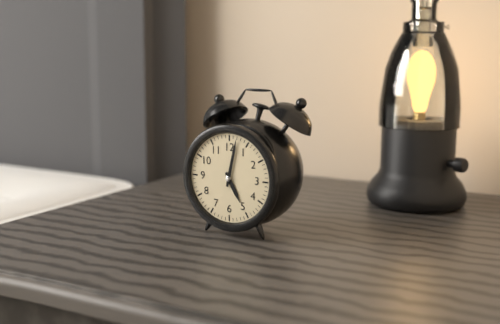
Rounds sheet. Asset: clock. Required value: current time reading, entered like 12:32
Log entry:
5:02
